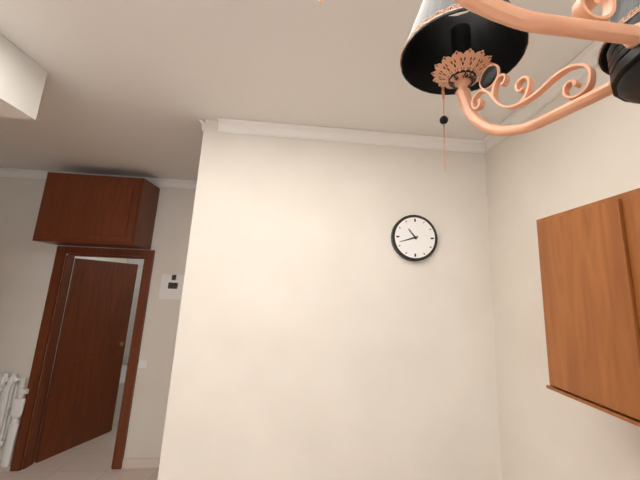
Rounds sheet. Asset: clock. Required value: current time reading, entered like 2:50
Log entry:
10:42
